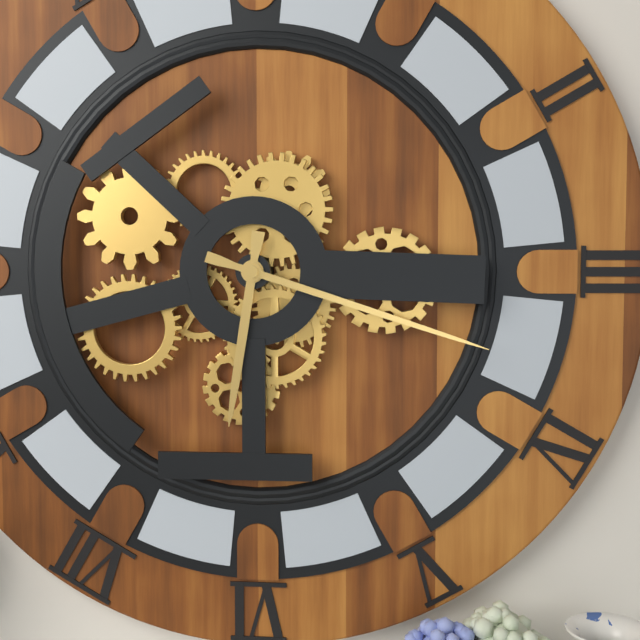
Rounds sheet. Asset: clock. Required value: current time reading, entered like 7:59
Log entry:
6:18
